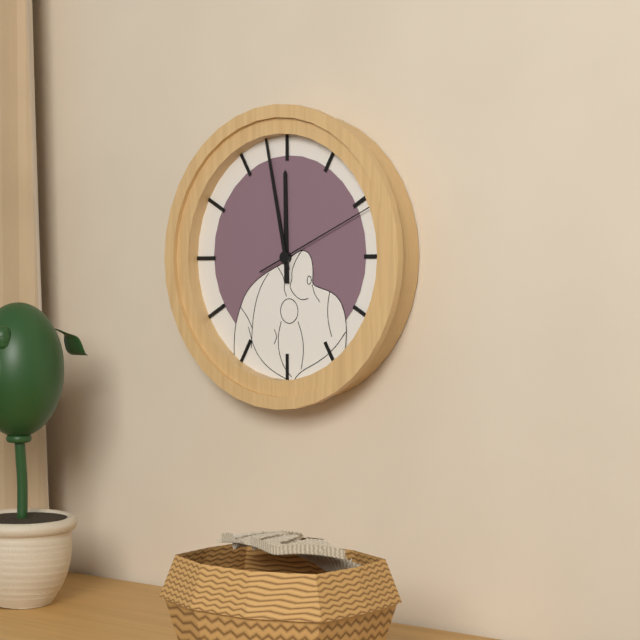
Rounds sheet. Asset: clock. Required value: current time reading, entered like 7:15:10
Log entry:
11:58:11
